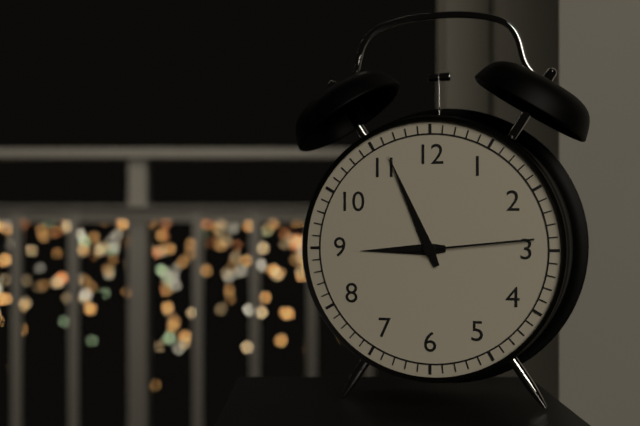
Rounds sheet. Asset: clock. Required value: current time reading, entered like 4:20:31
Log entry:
8:56:14
